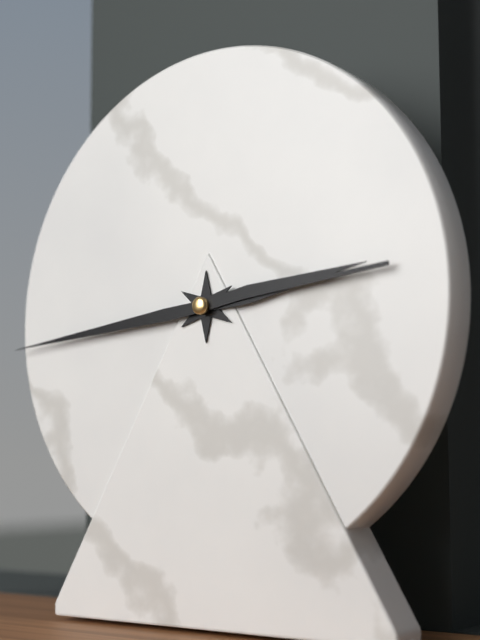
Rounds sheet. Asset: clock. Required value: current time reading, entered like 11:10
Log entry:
2:44
